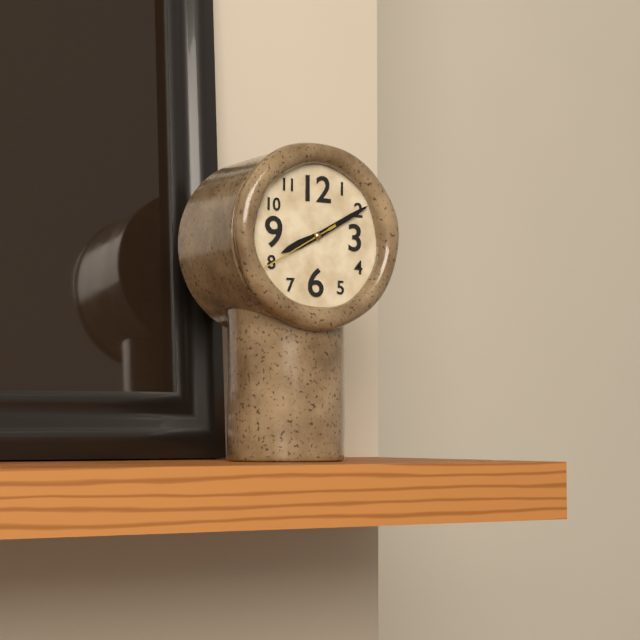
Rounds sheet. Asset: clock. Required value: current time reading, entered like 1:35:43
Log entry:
8:10:40
